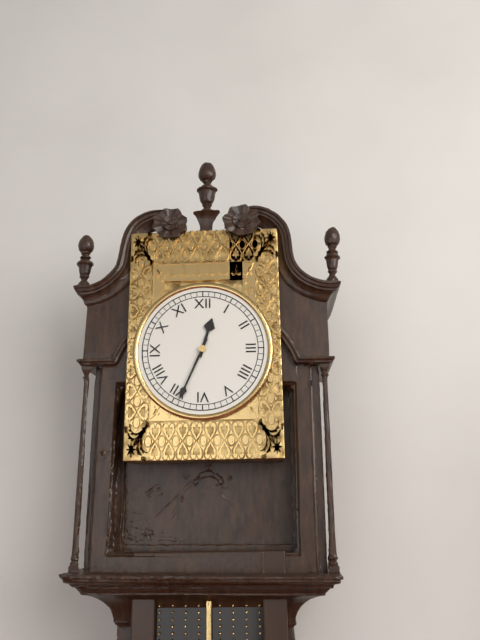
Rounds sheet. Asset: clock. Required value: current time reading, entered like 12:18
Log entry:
12:34
